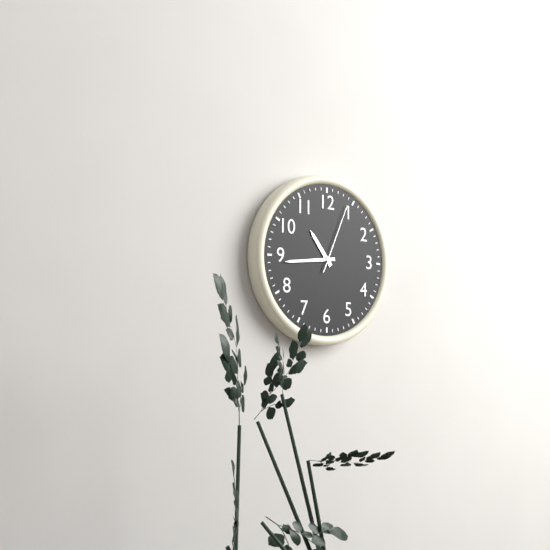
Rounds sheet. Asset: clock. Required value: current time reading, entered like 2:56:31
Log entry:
10:44:04
